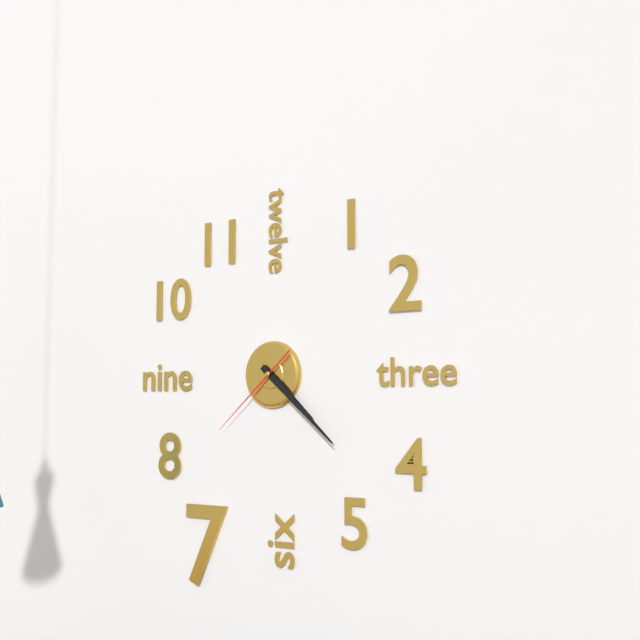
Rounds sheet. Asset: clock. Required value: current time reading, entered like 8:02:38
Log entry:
4:22:38
